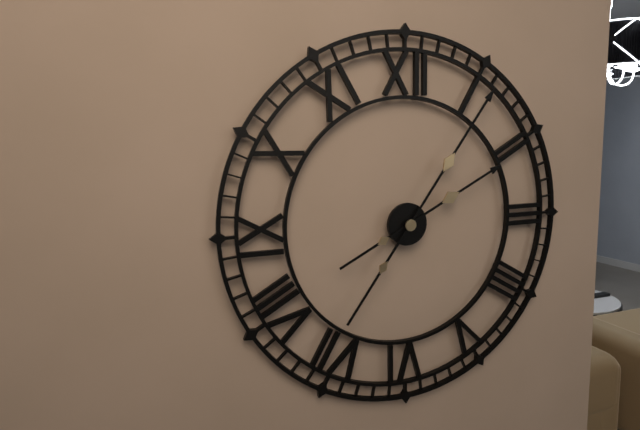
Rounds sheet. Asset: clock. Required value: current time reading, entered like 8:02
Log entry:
2:06
